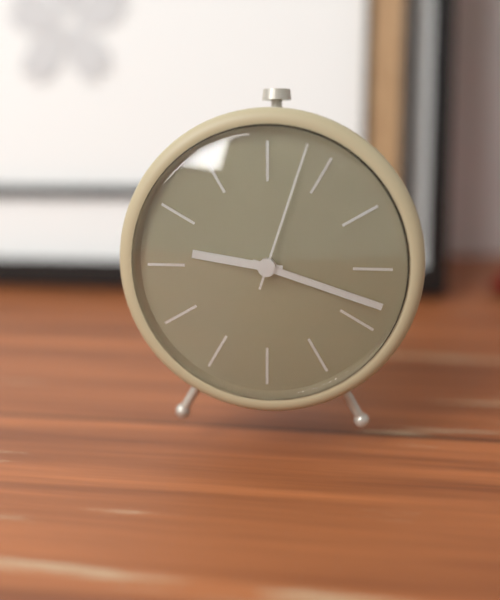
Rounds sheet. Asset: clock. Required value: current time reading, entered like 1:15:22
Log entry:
9:18:03
